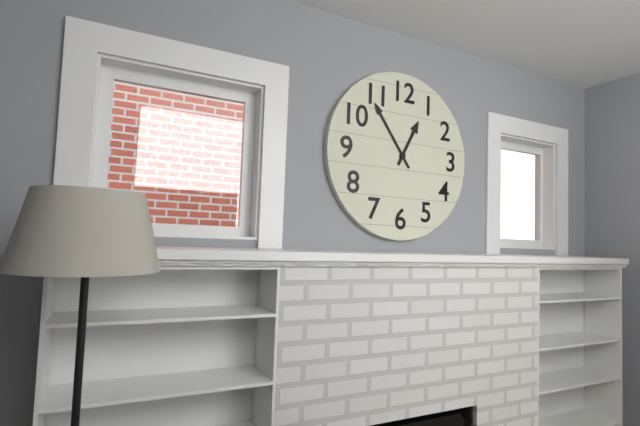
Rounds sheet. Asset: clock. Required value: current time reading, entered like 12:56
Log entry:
12:54
